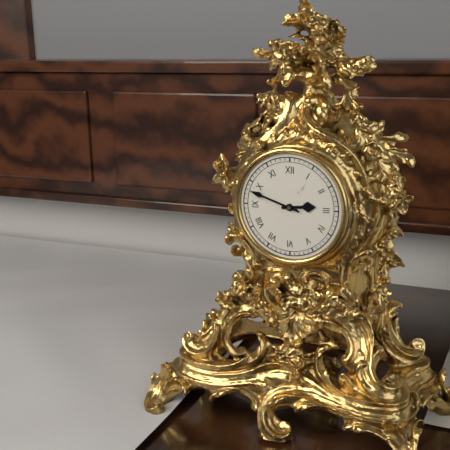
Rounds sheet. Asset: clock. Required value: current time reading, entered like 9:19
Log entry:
2:48
